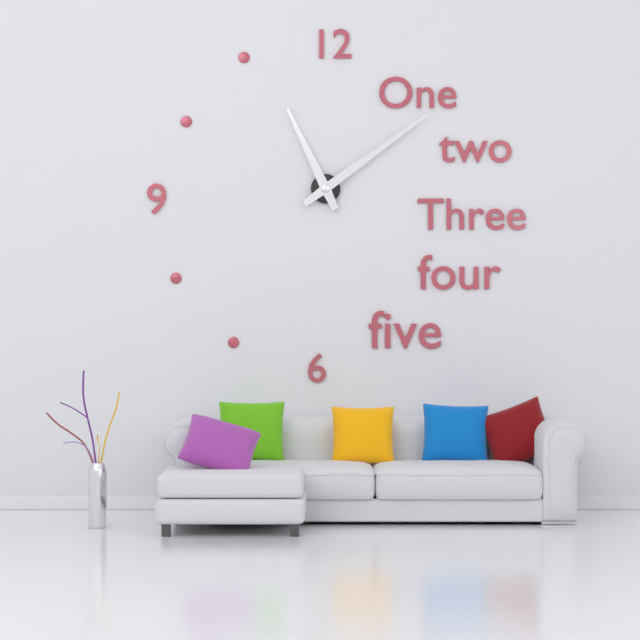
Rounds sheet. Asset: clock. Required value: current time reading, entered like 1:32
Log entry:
11:09
